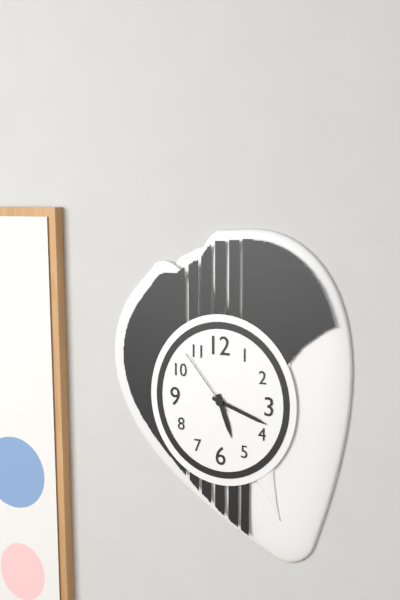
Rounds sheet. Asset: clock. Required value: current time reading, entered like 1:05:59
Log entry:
5:18:53
